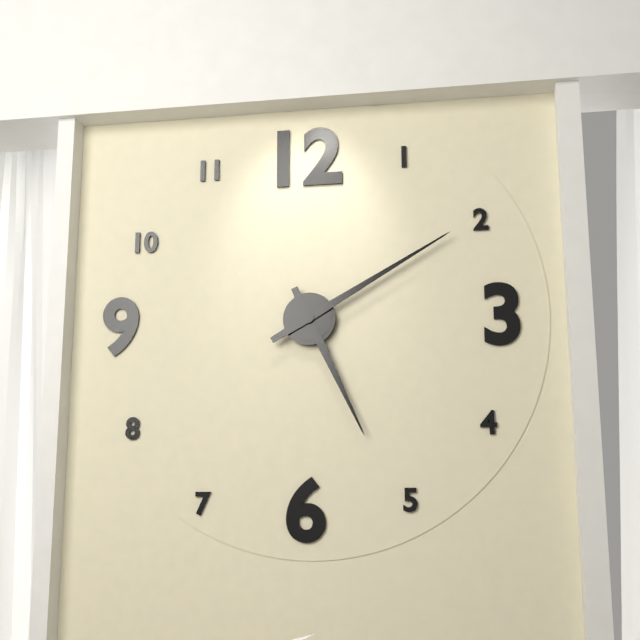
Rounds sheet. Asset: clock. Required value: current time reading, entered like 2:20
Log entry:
5:10
